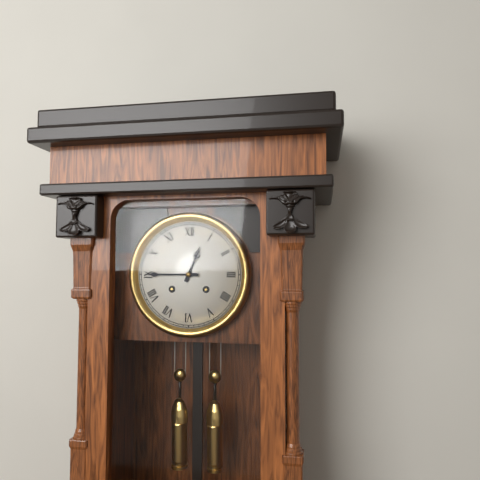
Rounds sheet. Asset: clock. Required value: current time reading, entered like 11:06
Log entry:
12:45
